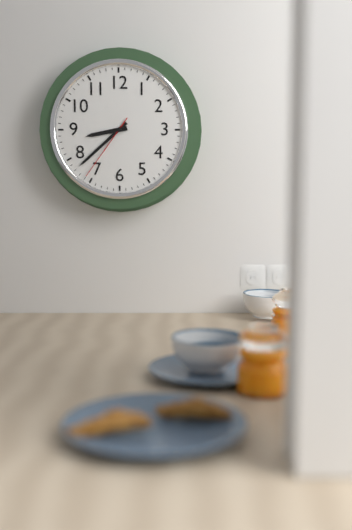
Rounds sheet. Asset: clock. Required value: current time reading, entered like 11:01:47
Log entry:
8:38:36
